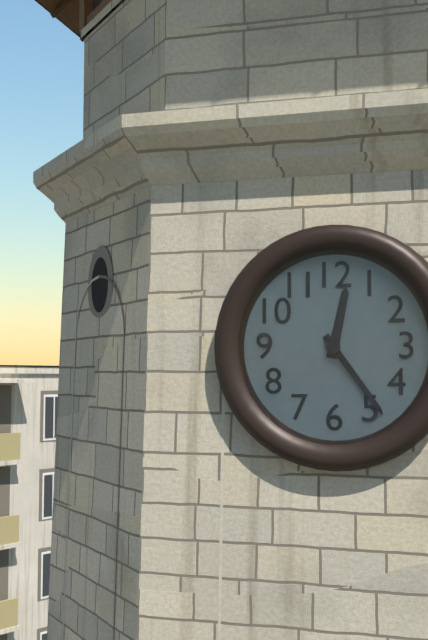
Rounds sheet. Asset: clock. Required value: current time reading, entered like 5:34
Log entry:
12:24
